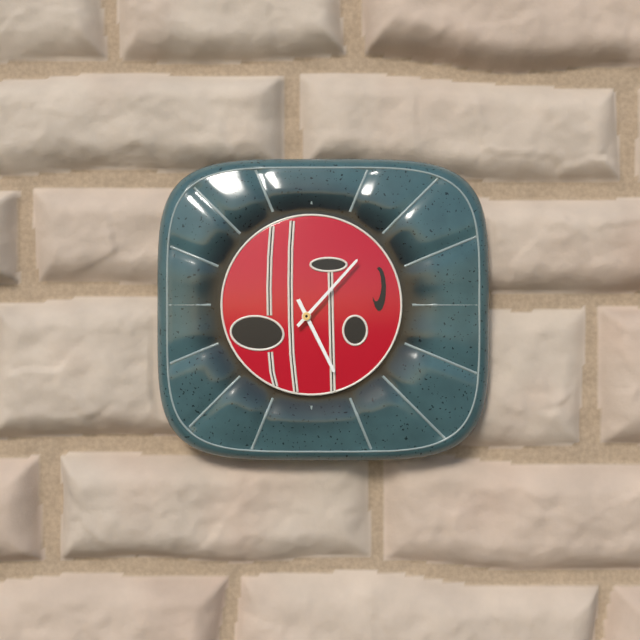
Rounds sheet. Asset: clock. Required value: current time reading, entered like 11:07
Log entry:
5:07
